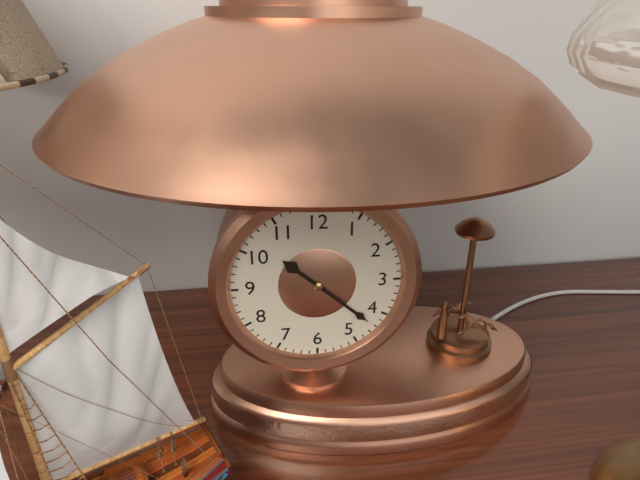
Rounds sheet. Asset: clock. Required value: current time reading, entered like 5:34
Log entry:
10:22
